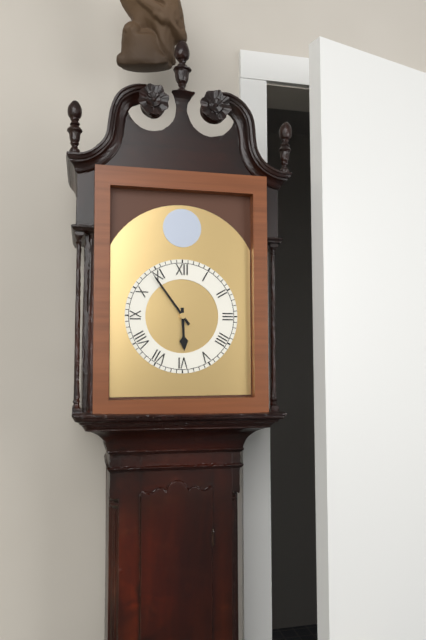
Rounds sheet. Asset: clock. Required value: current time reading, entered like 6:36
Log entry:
5:54
